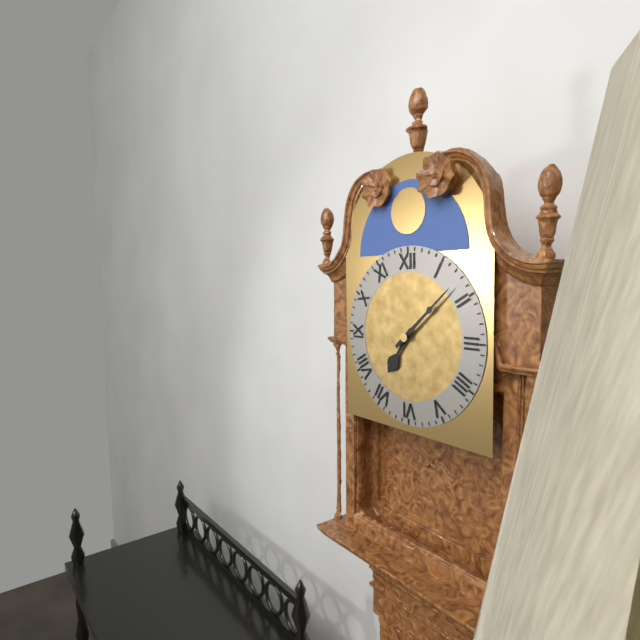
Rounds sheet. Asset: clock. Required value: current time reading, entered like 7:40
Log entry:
7:08
